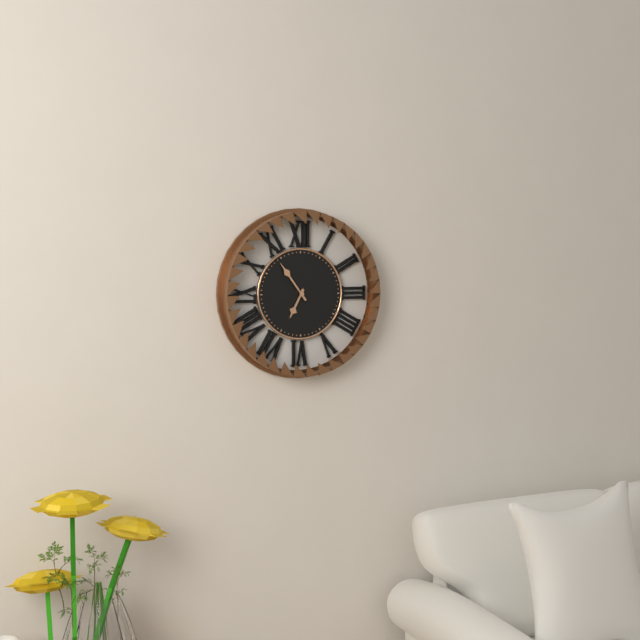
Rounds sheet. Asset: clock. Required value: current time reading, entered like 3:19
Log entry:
6:54
